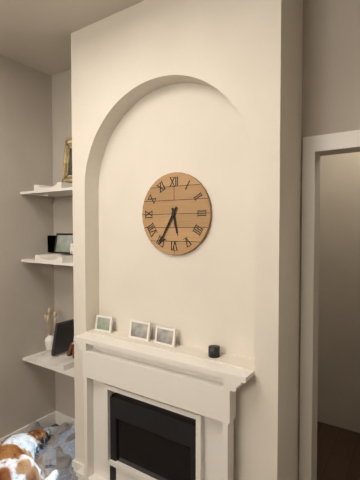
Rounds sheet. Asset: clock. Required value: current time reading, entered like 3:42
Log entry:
5:35
